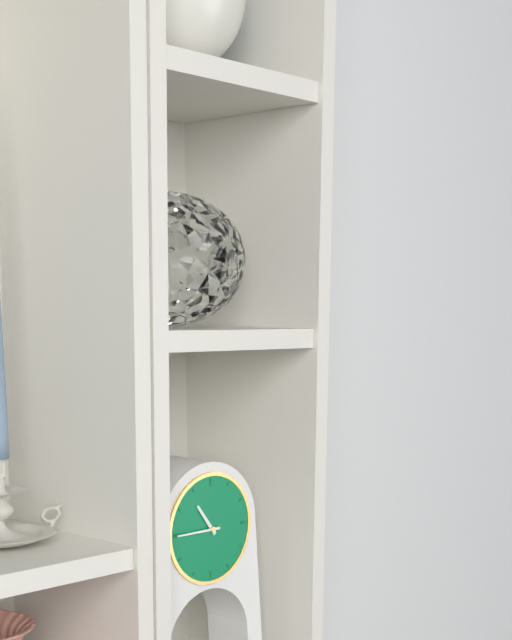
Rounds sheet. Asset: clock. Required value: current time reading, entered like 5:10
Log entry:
10:45
